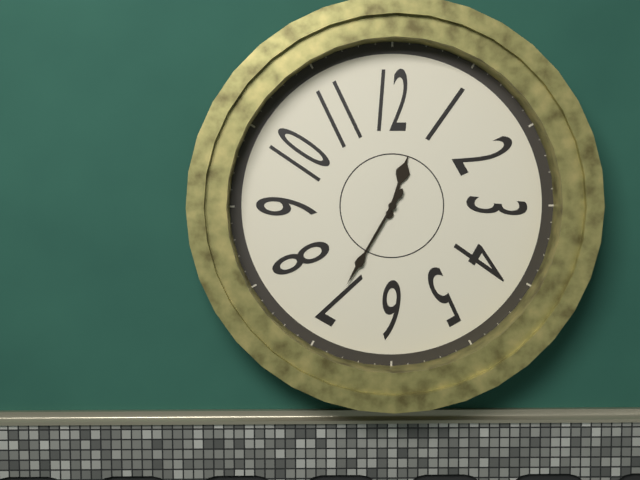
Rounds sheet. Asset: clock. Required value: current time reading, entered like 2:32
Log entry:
12:35
